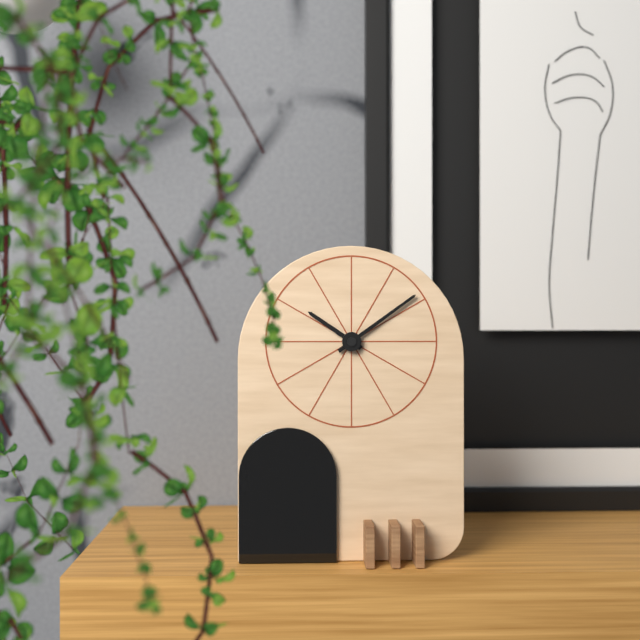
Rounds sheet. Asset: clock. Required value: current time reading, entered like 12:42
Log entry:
10:09
